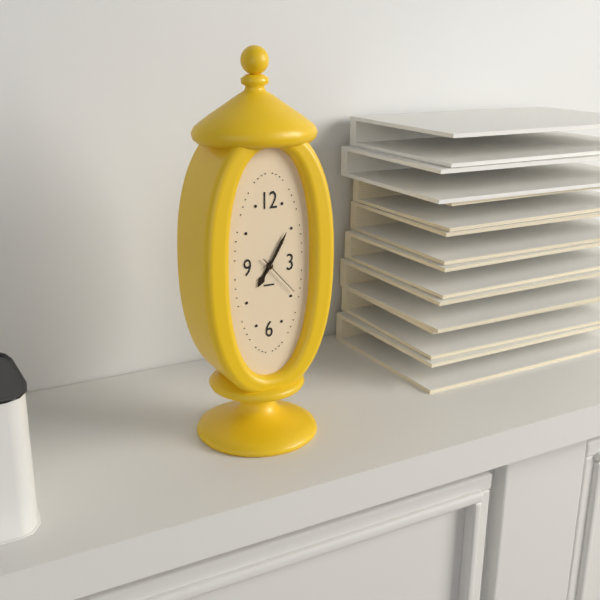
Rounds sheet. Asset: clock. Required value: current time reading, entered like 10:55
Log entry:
7:05
